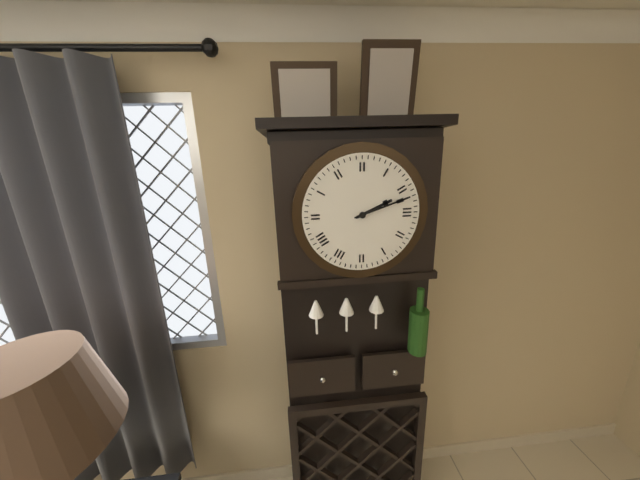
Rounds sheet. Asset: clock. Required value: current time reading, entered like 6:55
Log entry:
2:12
